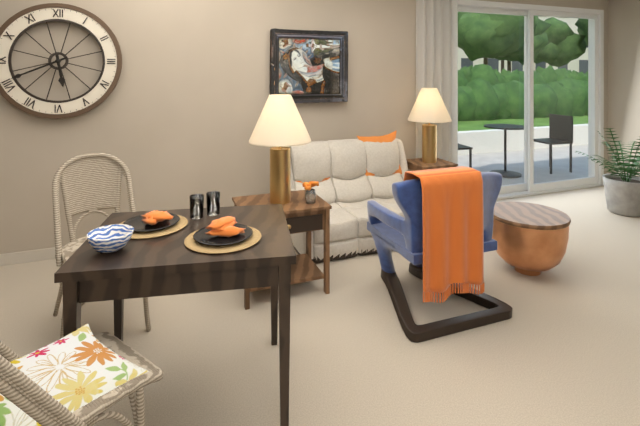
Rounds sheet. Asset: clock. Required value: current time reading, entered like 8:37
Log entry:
5:41
